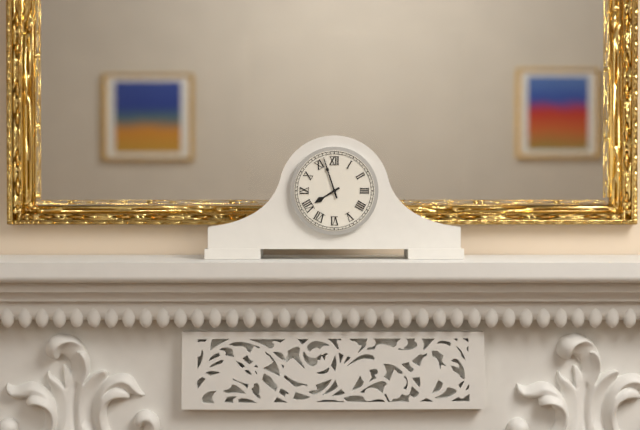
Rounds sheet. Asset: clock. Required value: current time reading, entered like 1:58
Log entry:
7:57
